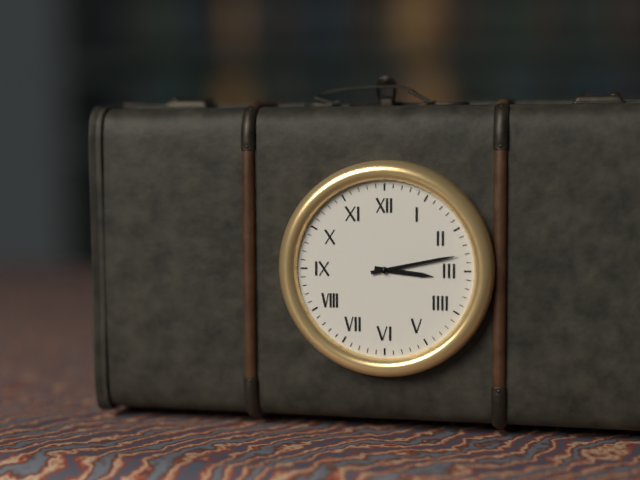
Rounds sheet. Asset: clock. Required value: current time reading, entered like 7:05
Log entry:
3:13
